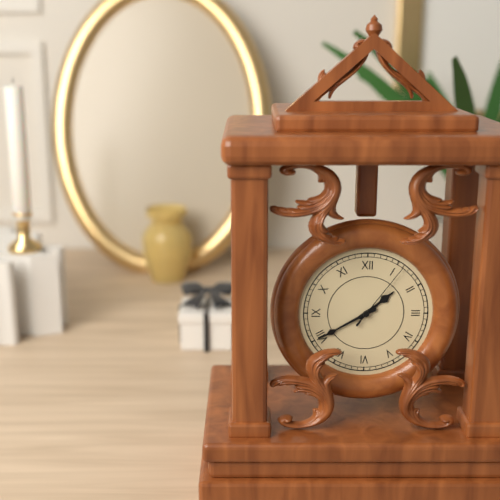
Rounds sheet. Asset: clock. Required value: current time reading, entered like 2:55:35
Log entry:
1:40:06
